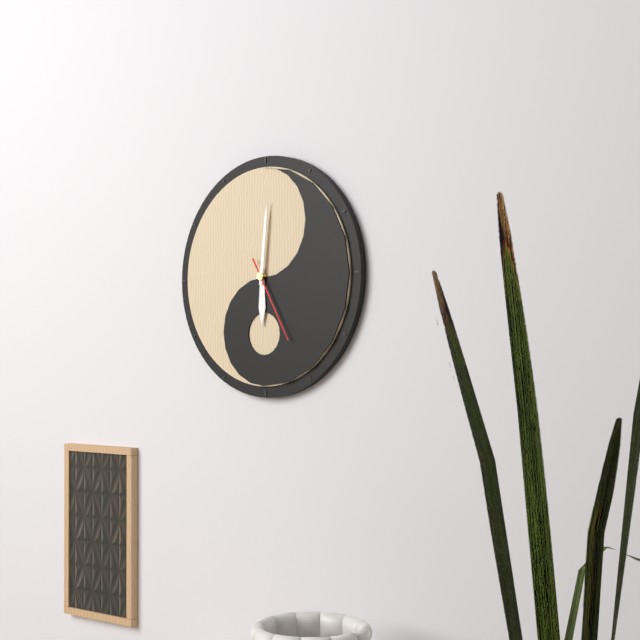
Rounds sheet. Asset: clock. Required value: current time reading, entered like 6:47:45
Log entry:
6:01:25
